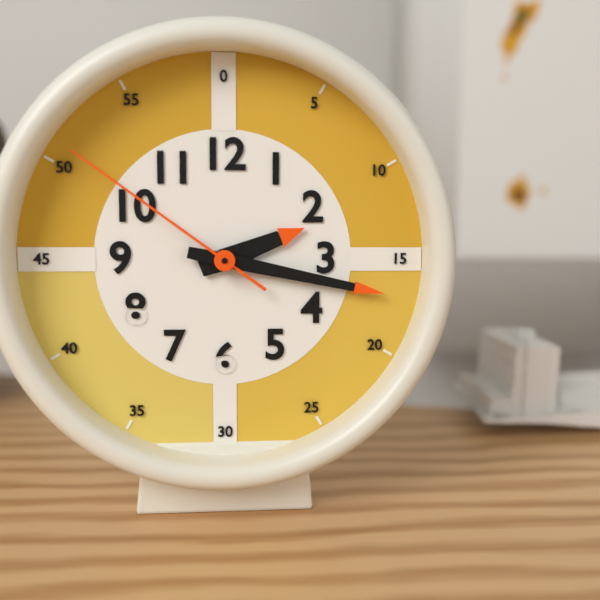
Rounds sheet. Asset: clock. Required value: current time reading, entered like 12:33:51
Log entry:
2:17:51
